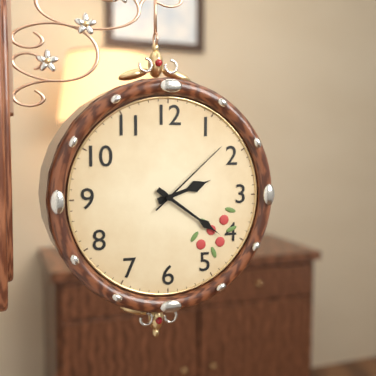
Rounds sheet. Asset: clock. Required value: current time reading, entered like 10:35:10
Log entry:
2:21:08
